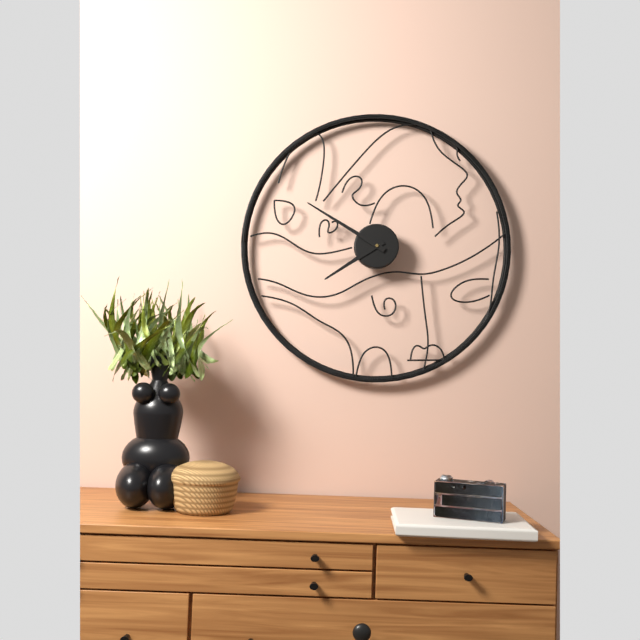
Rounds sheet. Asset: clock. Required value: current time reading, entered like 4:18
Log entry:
7:50
